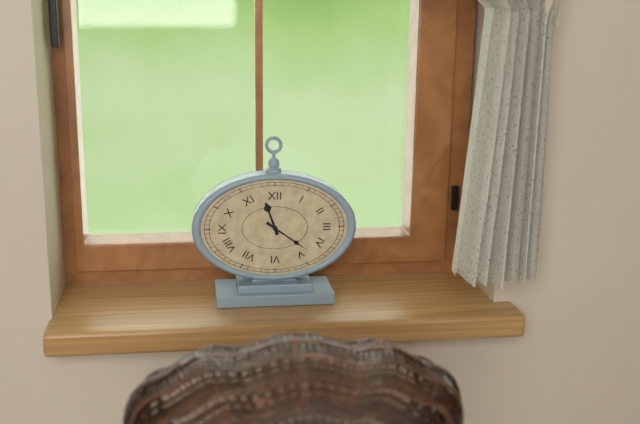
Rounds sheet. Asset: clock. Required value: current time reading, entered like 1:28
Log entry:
11:21
